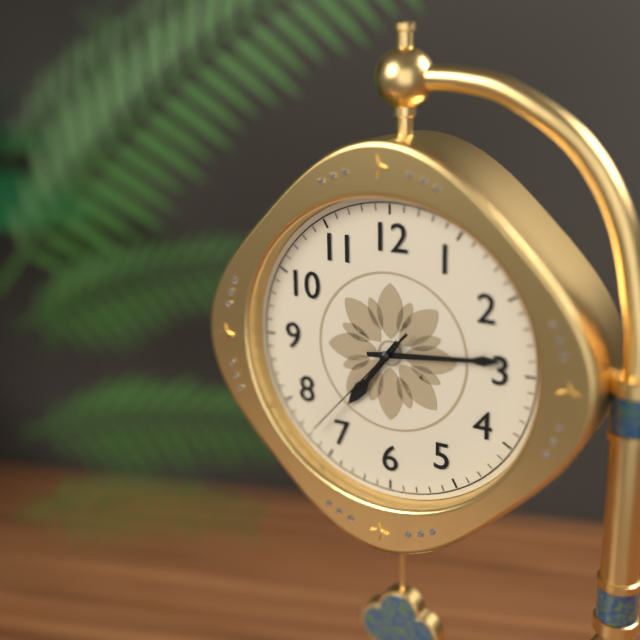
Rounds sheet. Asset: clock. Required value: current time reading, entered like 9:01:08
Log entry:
7:14:37
